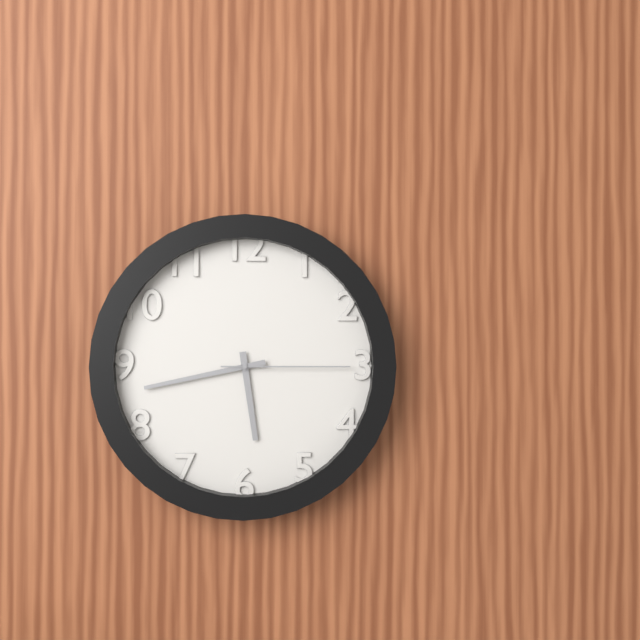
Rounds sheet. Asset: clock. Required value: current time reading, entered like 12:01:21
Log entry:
5:43:15
